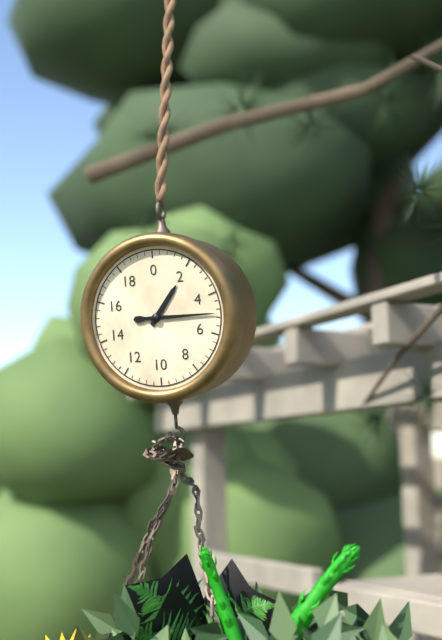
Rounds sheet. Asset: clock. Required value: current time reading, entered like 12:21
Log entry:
1:15
